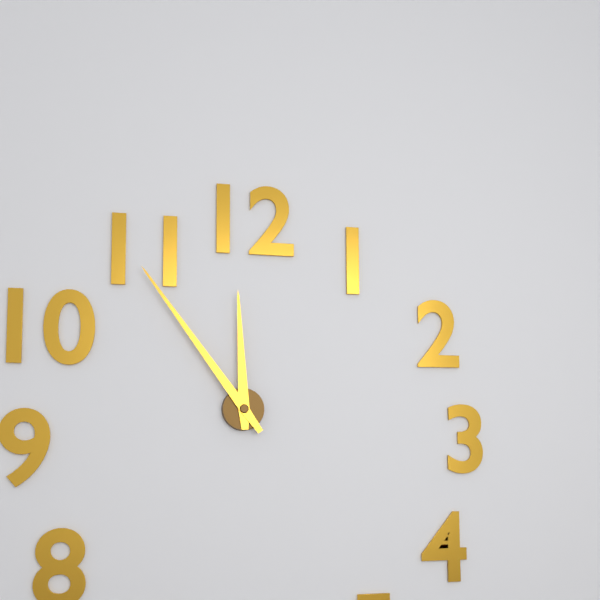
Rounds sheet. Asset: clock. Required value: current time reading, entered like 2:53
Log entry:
11:54
